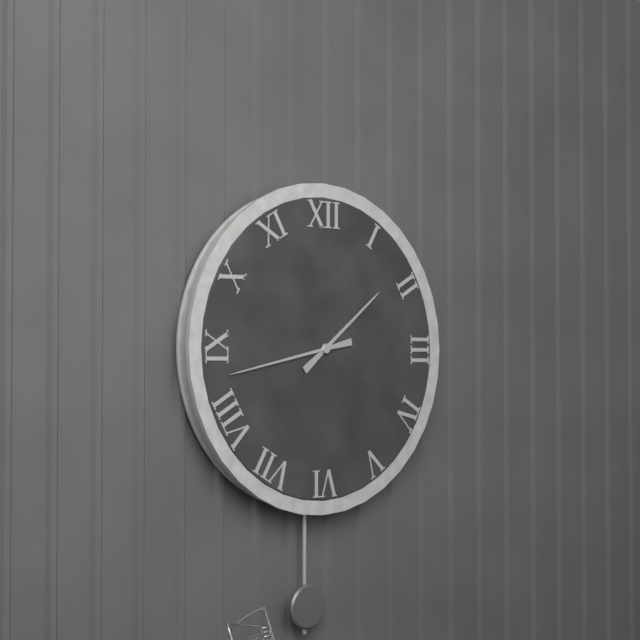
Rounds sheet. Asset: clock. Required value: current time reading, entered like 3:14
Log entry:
1:43
